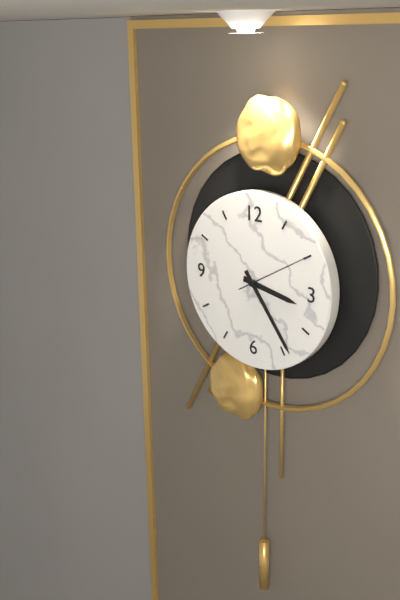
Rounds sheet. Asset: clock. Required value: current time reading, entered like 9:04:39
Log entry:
3:24:10
